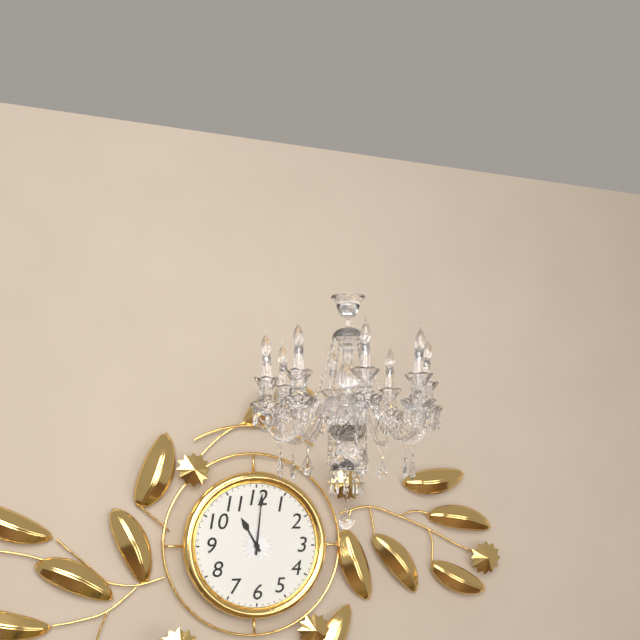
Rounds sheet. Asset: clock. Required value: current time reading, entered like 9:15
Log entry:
11:01
